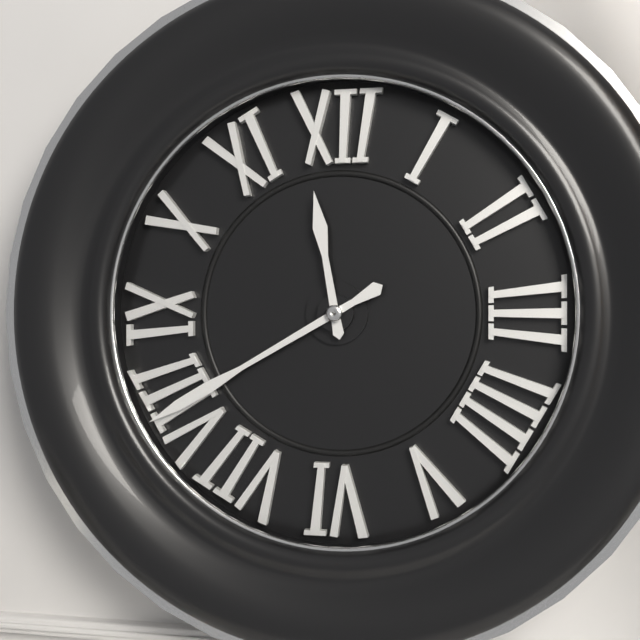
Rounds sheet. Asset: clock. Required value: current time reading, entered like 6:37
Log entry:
11:40
